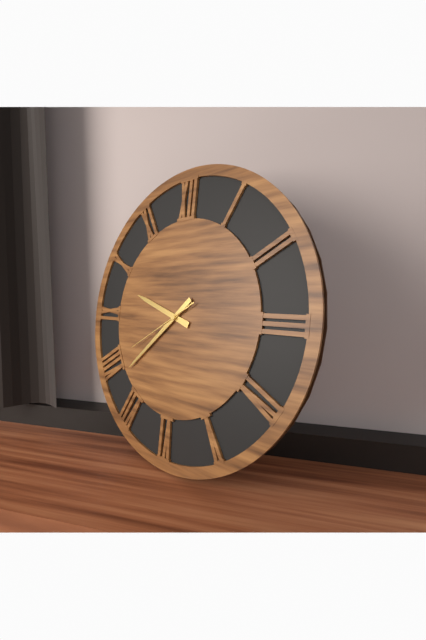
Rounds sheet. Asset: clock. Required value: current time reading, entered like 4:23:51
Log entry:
9:38:40
